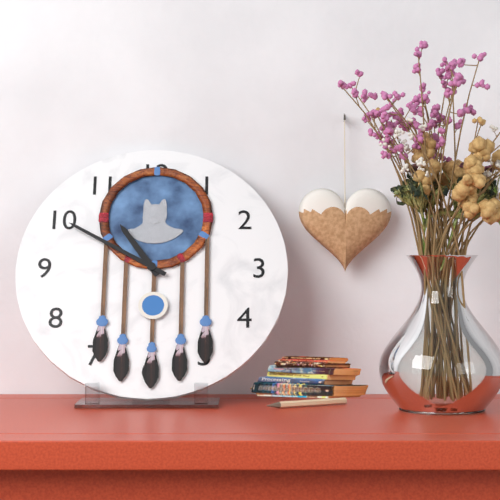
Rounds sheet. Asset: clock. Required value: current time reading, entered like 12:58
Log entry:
10:50
